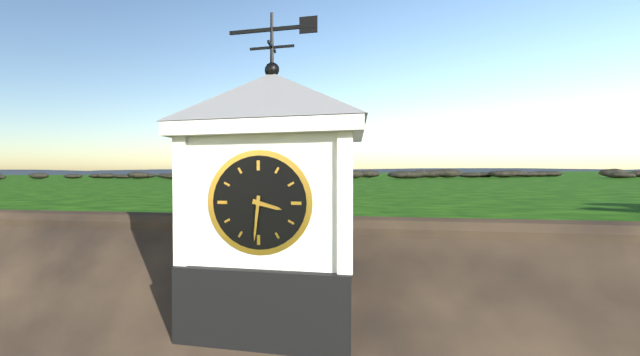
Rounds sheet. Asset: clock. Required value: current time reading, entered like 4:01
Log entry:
3:31
